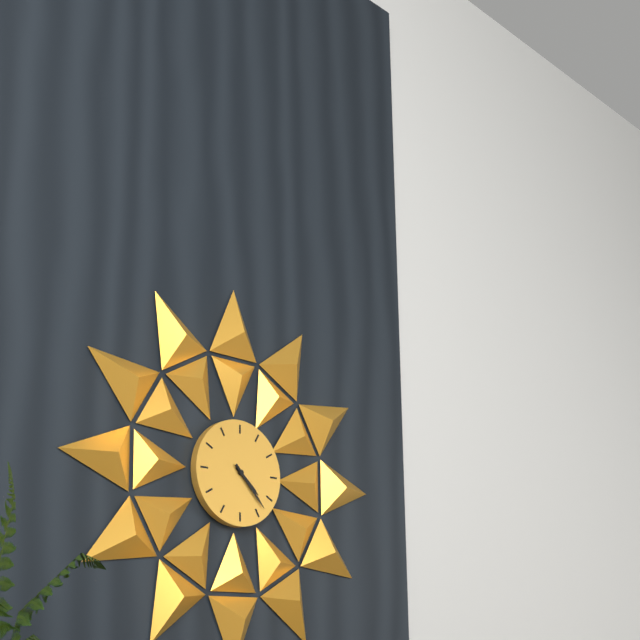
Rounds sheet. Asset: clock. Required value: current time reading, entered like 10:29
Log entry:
4:23
